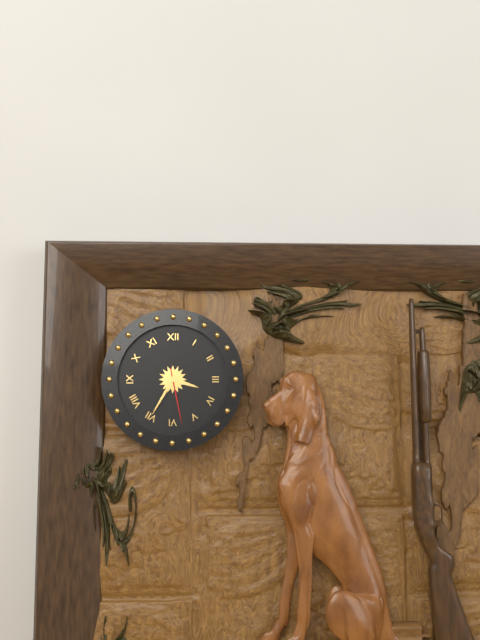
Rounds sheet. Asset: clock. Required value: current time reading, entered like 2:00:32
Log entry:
3:35:28
